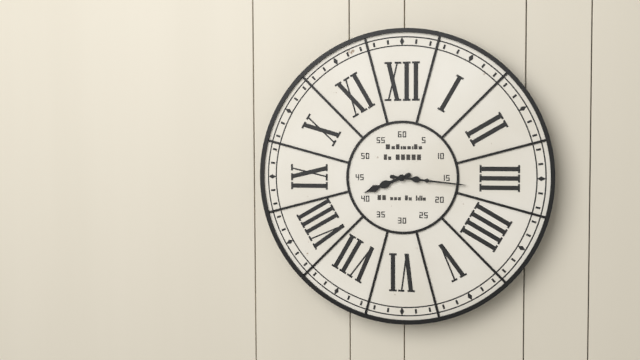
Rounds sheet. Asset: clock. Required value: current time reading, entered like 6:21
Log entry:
8:16
